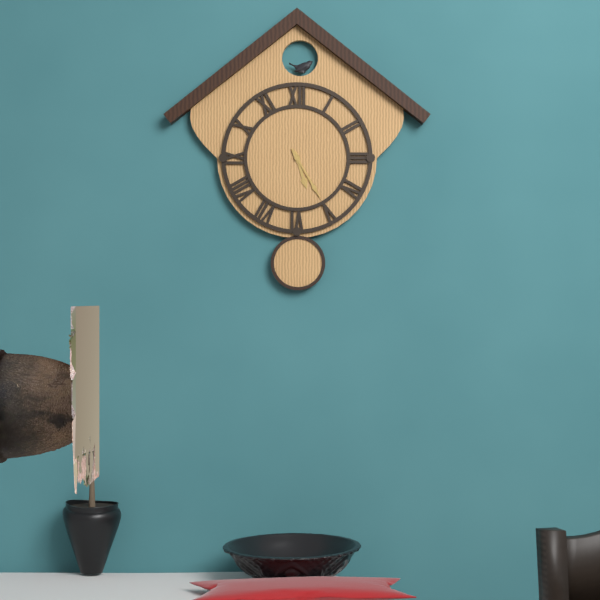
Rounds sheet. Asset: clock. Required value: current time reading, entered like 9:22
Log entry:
5:25
